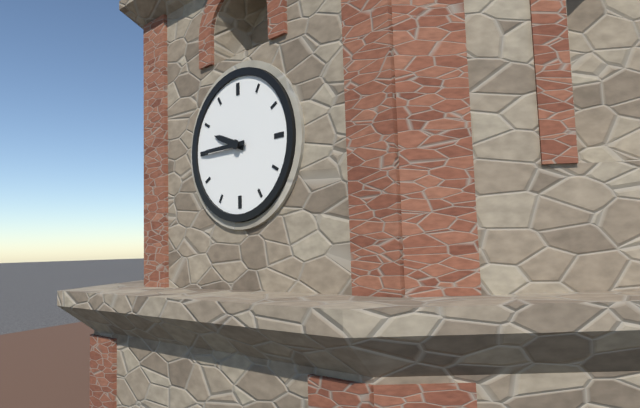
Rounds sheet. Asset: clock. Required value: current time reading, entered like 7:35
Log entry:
9:45
